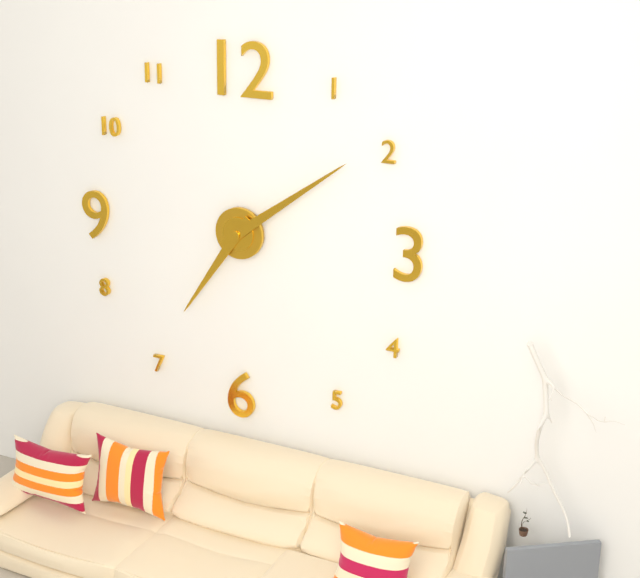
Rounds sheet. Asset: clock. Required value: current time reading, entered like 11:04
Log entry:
7:09
